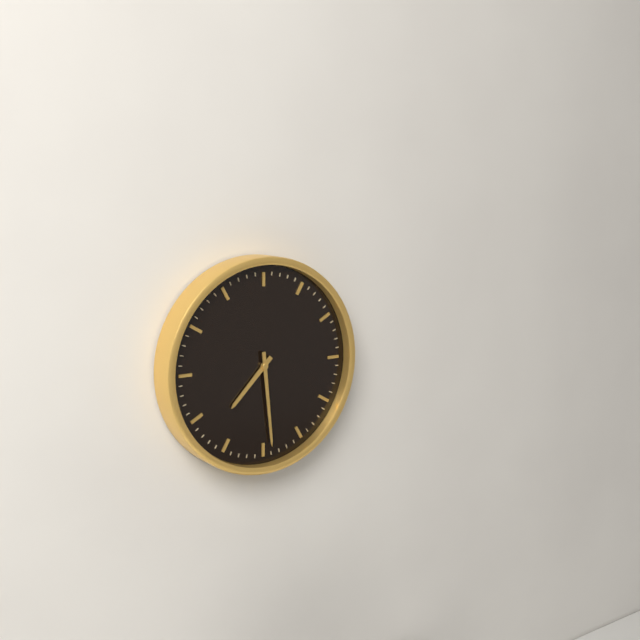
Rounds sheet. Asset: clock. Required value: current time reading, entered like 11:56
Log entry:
7:29
